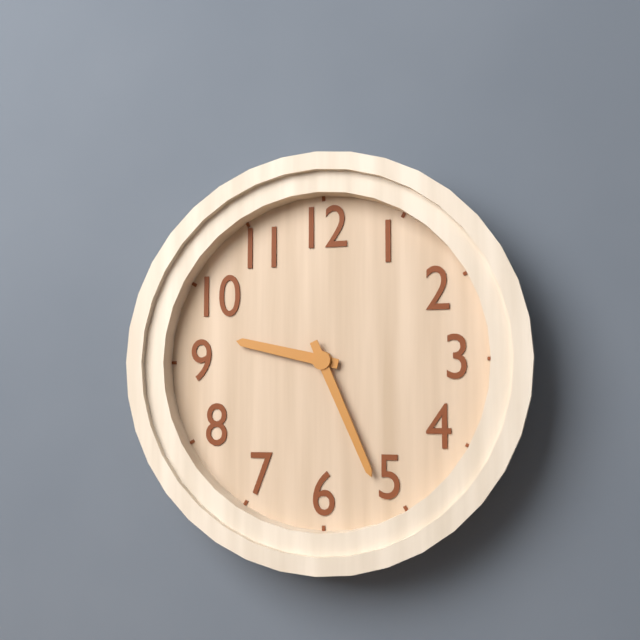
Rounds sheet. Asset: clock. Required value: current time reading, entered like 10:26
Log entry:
9:26
